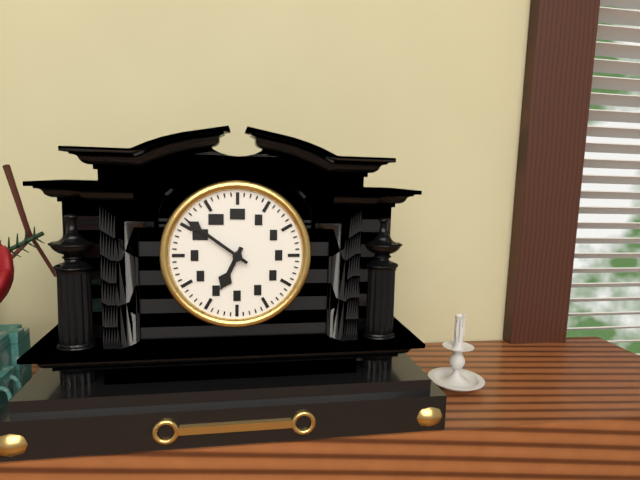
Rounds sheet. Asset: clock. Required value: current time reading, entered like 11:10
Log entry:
6:51
